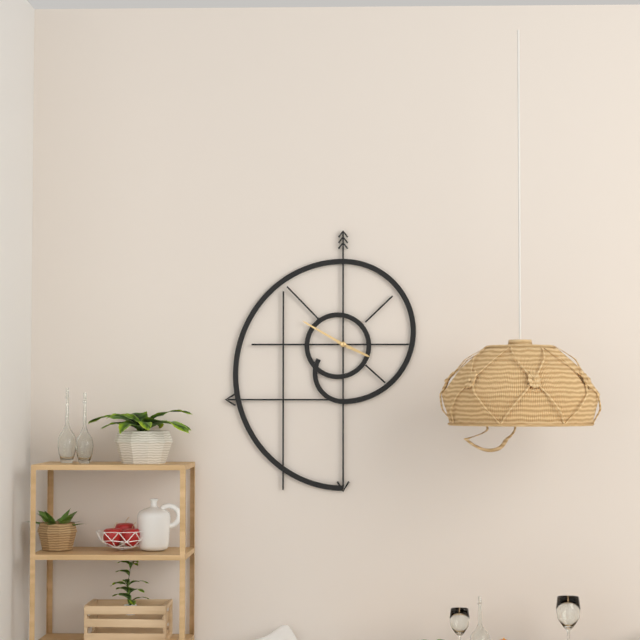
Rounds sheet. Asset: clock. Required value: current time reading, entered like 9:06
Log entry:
3:50
